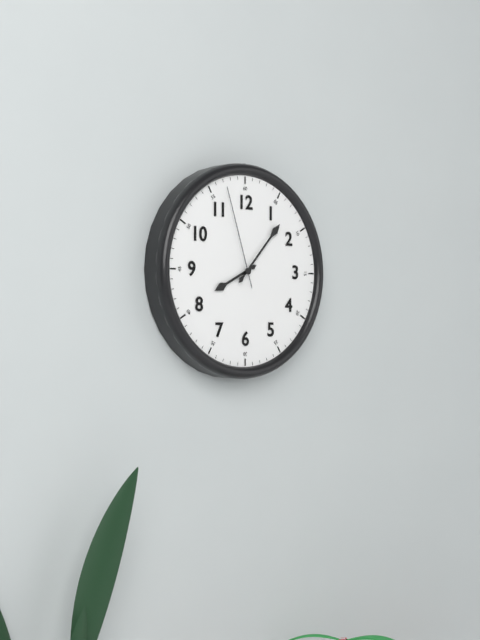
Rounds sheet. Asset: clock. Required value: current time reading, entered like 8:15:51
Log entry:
8:07:57
